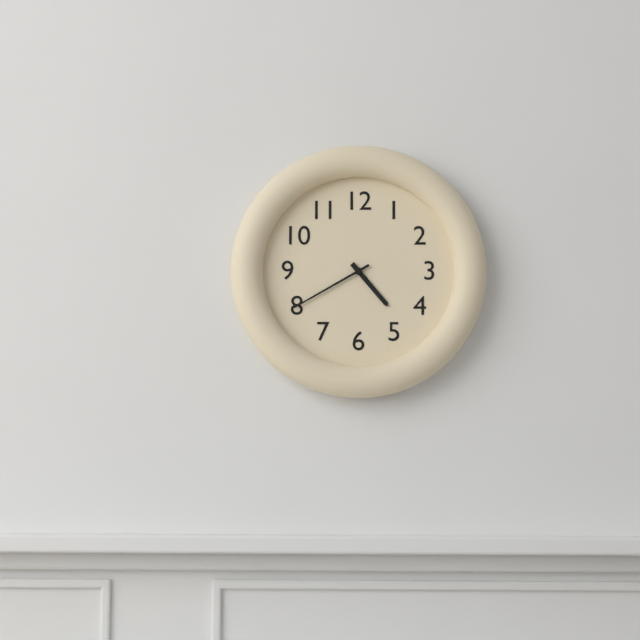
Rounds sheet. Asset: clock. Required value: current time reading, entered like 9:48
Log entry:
4:40
